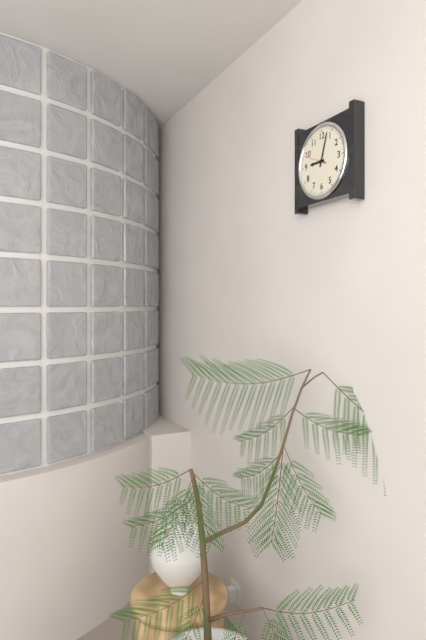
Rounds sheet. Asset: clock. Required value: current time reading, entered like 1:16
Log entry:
9:03
